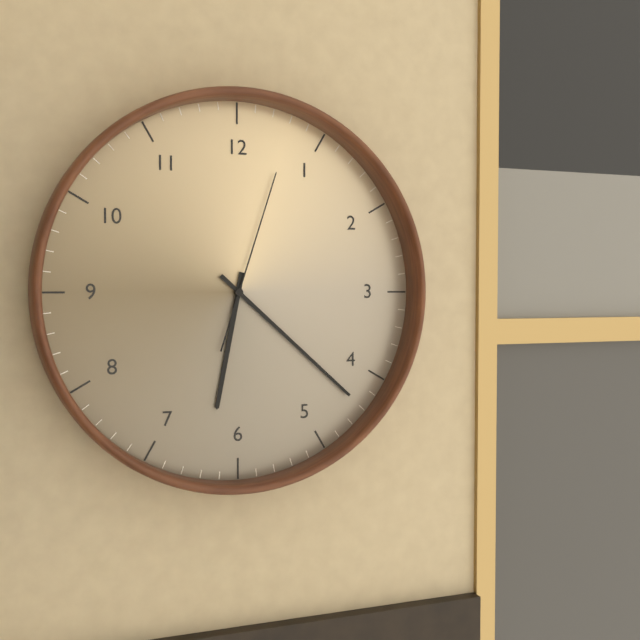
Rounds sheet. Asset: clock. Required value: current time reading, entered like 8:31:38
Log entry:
6:22:03
